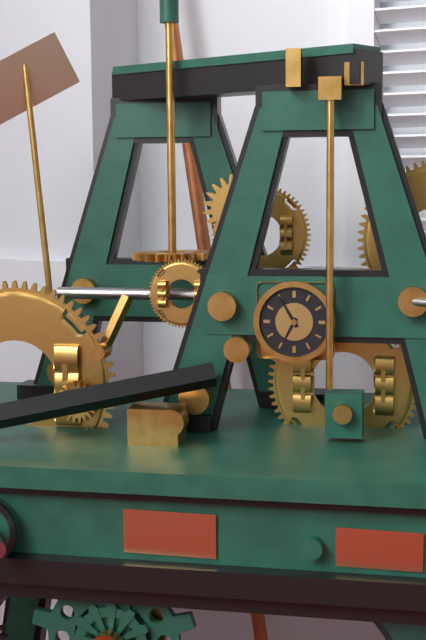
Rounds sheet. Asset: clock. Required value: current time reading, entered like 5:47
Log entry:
6:55
